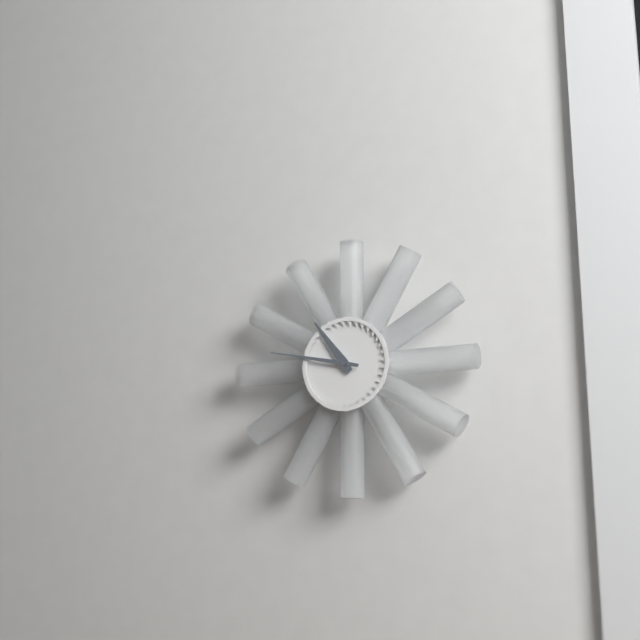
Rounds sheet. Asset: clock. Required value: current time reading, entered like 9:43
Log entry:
10:47
